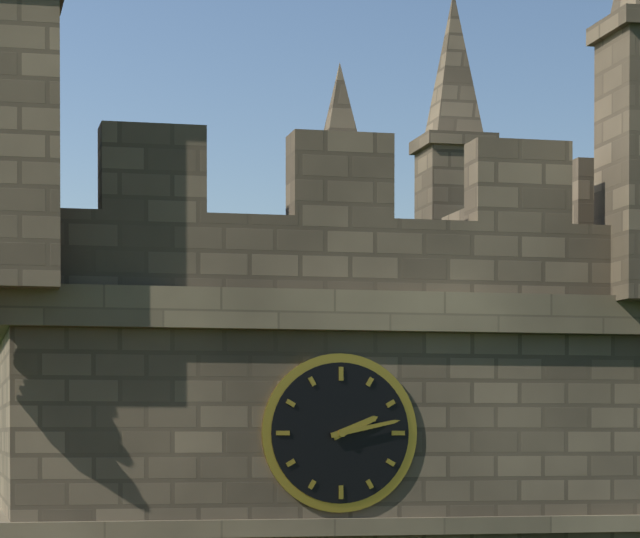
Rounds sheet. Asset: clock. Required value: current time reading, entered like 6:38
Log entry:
2:13
